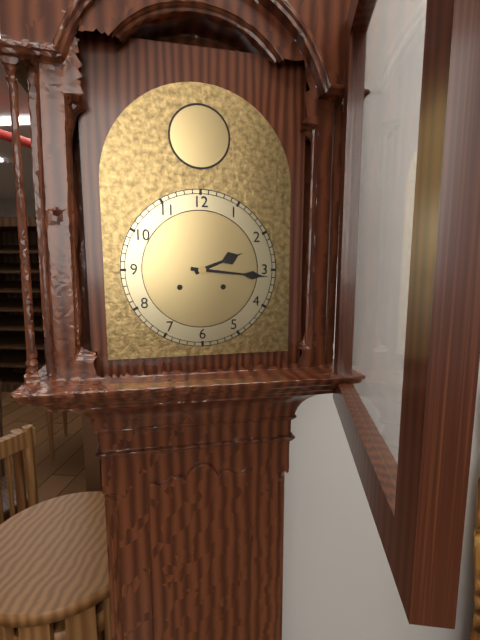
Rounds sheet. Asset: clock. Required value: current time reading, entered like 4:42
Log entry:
2:16
